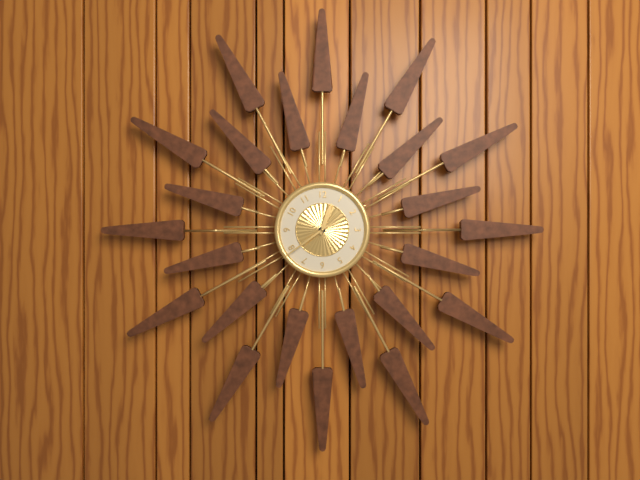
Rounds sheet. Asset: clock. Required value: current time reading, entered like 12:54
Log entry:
12:39
